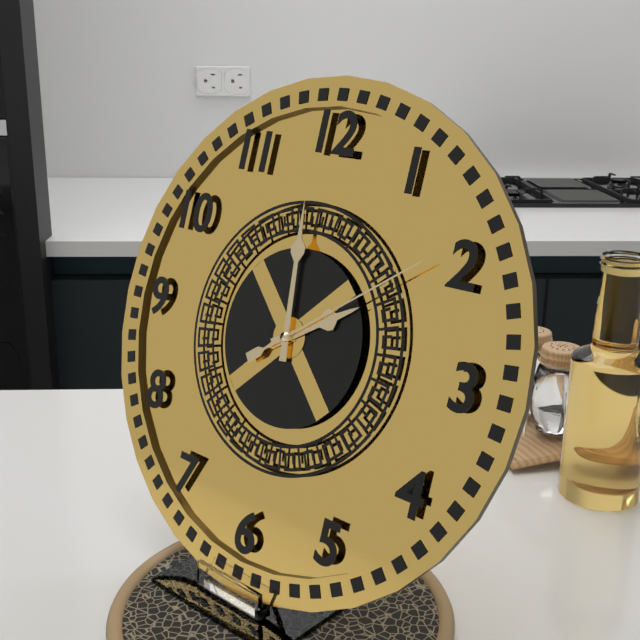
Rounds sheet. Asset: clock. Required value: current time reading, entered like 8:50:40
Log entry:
1:59:09
